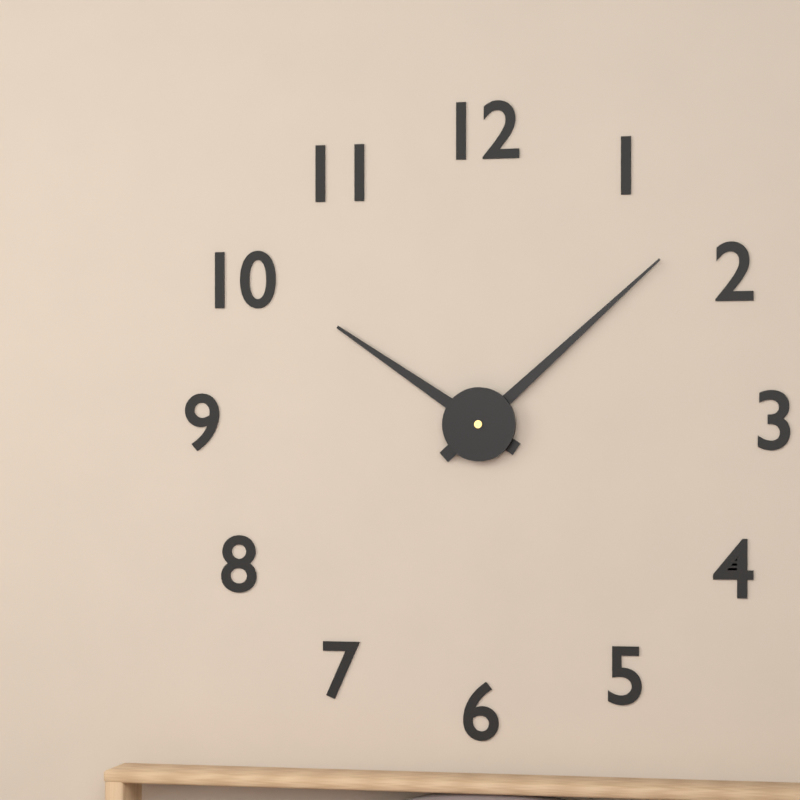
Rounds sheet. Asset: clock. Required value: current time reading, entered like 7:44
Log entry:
10:08
